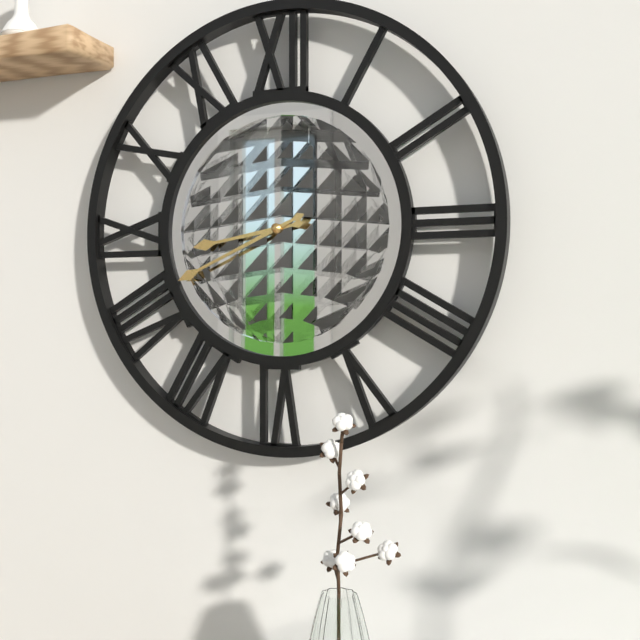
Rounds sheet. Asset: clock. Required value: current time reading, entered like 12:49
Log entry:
8:41
